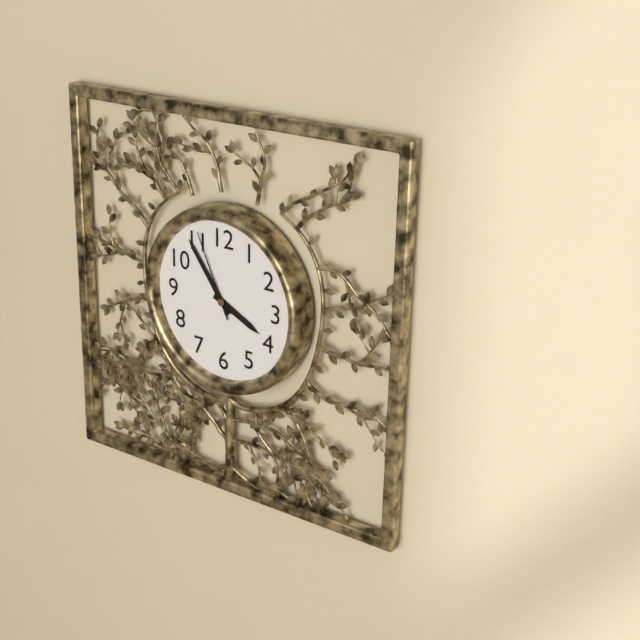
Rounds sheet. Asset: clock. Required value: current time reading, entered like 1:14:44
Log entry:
3:54:56
